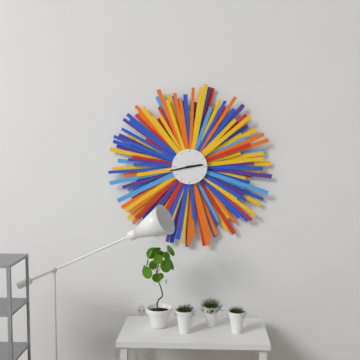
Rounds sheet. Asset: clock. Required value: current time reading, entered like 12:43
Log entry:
2:43
